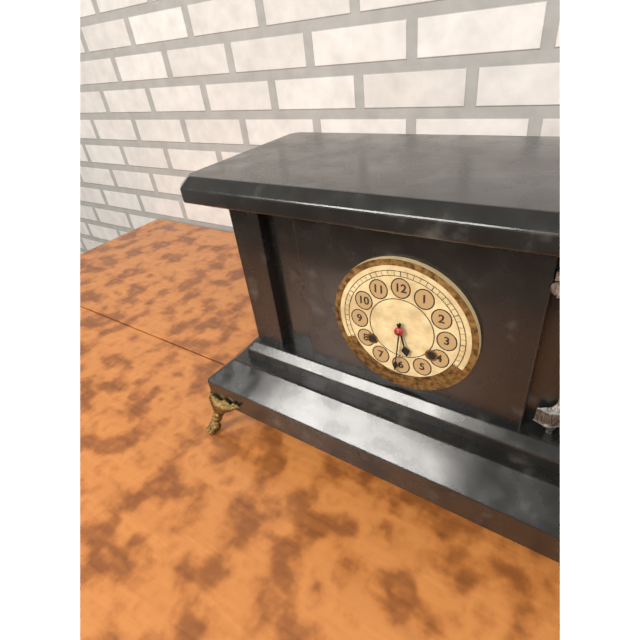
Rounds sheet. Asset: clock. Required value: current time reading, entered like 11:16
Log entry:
5:31
